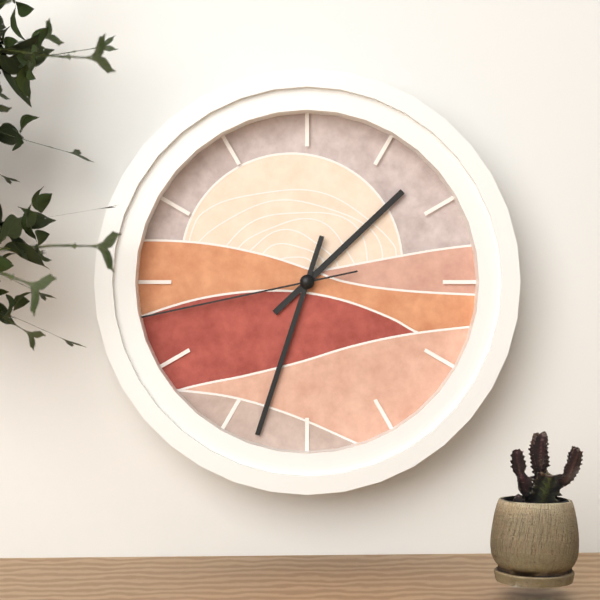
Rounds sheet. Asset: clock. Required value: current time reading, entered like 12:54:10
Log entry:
1:33:43
